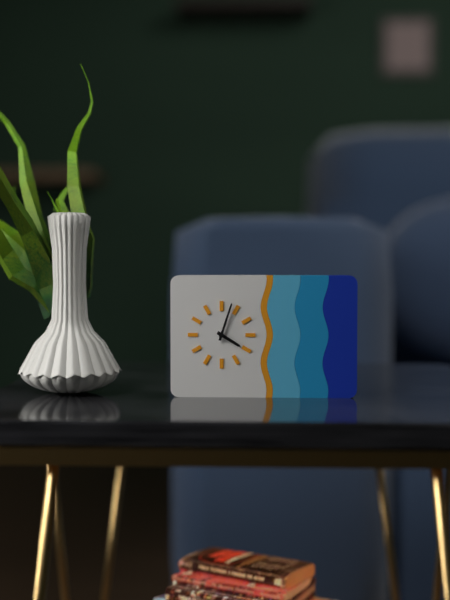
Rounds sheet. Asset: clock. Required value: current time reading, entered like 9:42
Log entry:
4:03
